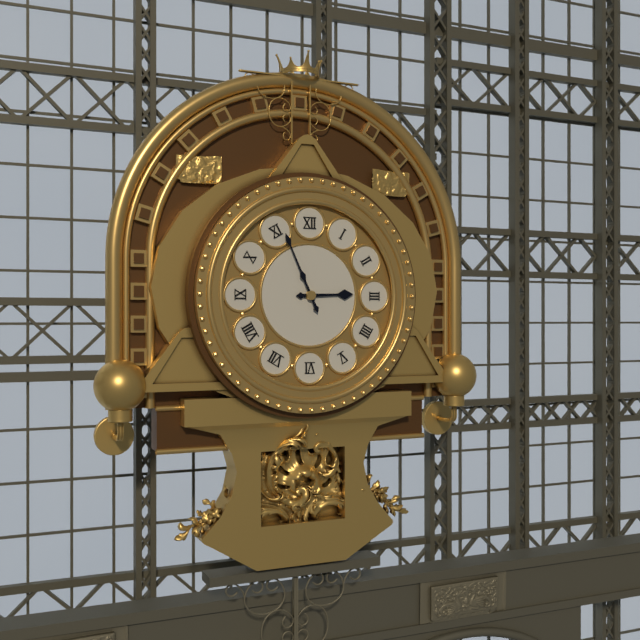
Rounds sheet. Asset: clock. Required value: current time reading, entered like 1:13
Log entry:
2:56
